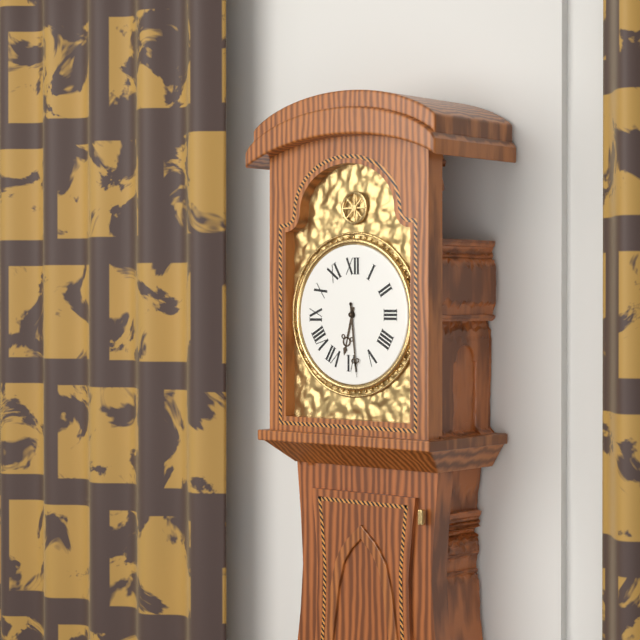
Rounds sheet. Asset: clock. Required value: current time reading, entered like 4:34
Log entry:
6:29
